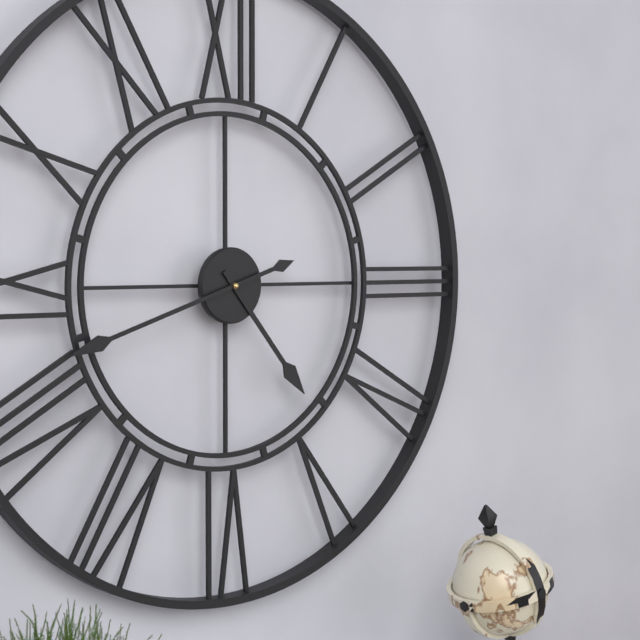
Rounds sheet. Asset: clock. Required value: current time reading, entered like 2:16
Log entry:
4:42
